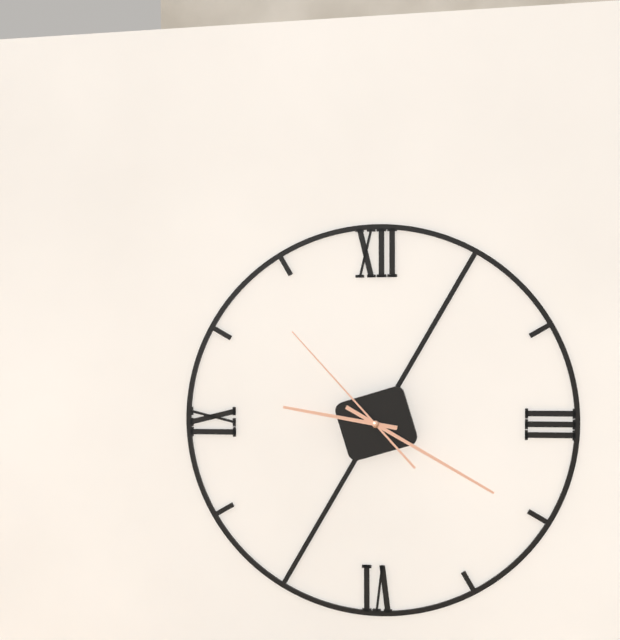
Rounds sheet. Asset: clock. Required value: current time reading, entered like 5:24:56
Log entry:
9:20:53
